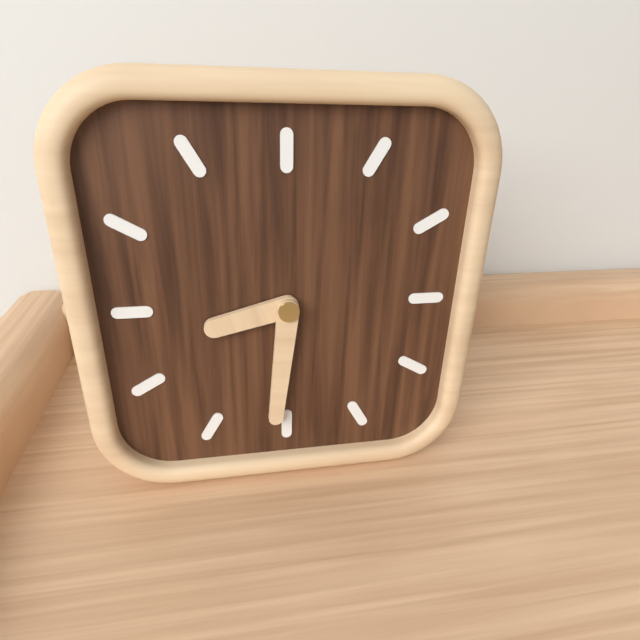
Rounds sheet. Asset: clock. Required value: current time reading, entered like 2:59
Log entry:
8:31
